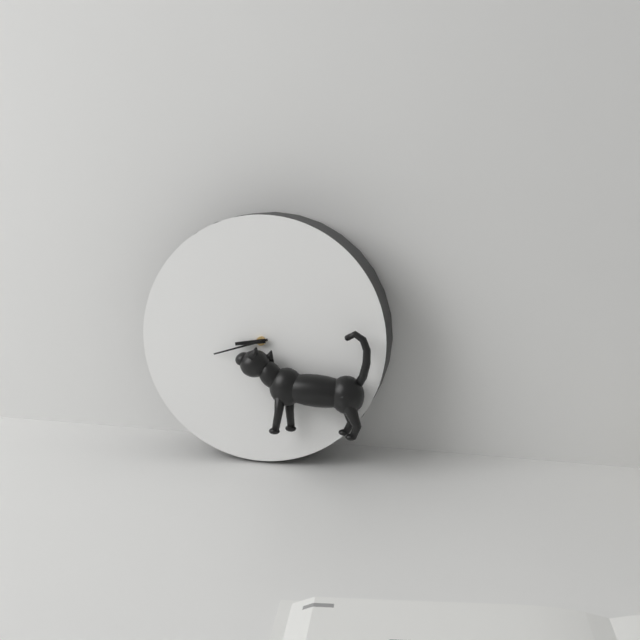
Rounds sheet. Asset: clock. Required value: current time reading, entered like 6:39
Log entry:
8:42
